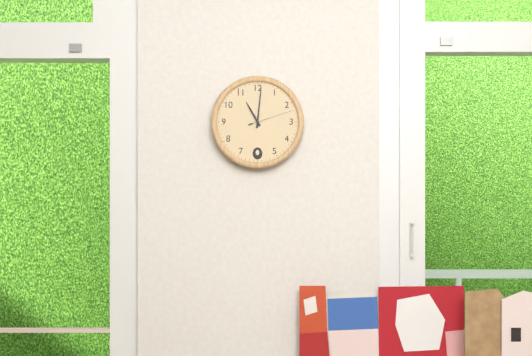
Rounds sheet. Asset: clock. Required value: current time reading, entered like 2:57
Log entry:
11:01
